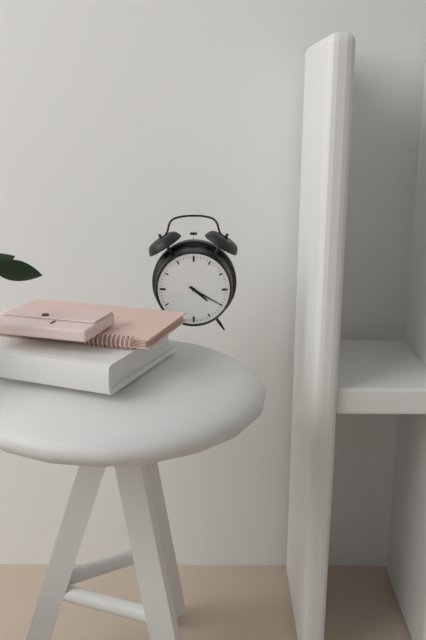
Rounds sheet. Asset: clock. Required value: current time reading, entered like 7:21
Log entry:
4:20
